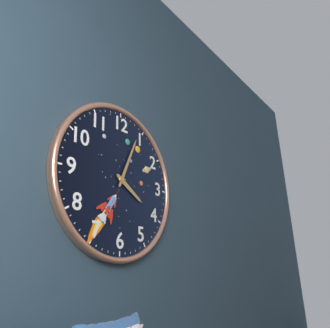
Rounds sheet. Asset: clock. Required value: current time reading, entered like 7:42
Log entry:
4:04
